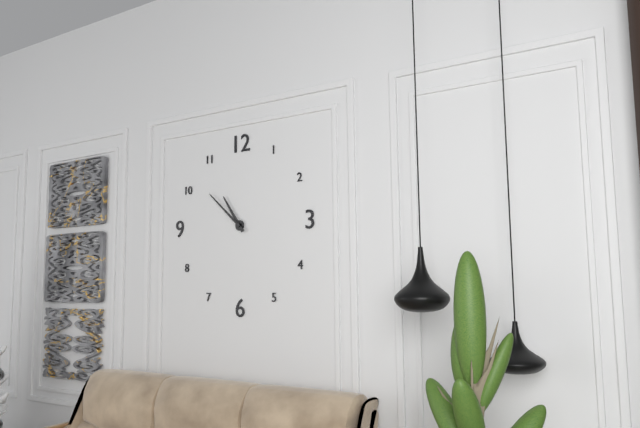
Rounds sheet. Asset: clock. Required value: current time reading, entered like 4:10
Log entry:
10:52
